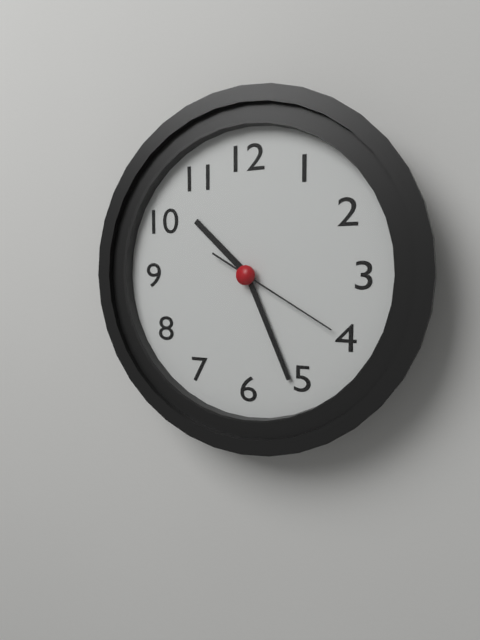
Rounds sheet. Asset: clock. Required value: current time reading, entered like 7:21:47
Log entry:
10:26:20
